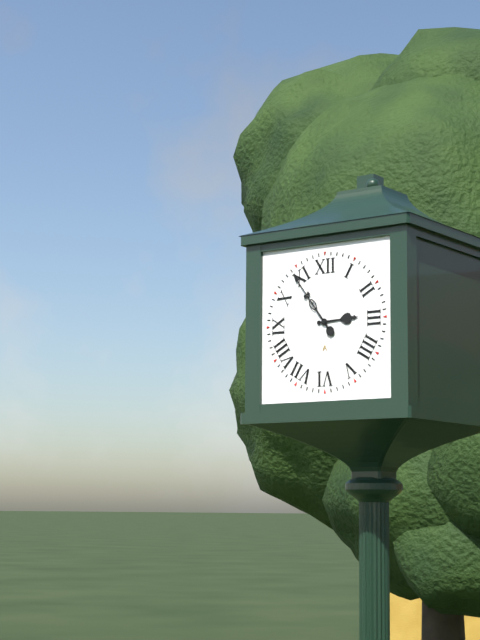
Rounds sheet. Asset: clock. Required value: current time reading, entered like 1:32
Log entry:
2:54
